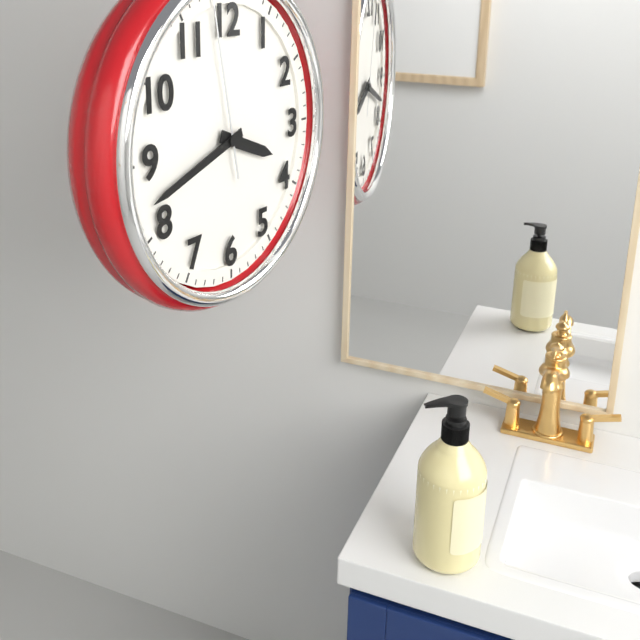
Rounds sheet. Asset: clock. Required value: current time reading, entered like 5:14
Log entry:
3:42
